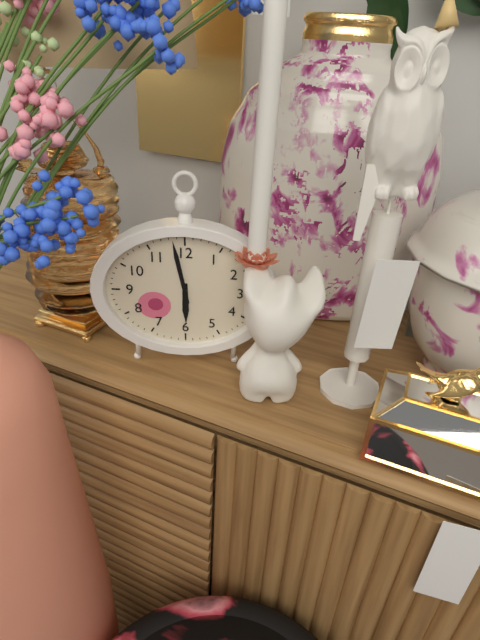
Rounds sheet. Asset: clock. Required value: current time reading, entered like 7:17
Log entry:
5:58
